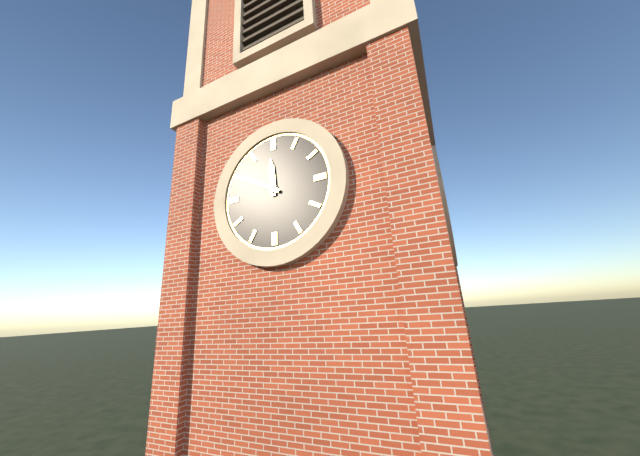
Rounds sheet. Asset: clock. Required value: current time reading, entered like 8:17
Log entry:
11:50
